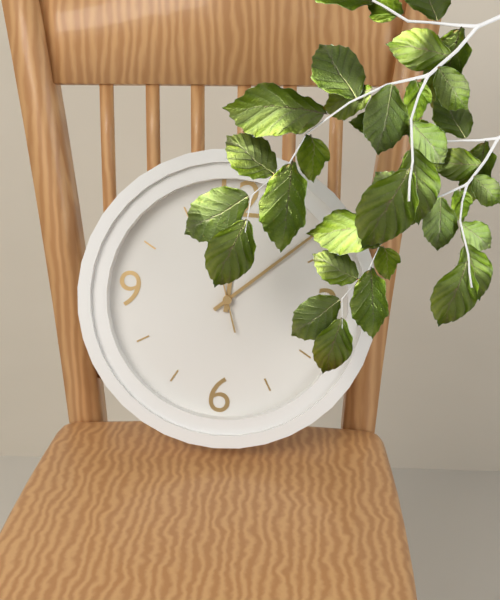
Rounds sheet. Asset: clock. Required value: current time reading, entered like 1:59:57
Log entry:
12:08:57
